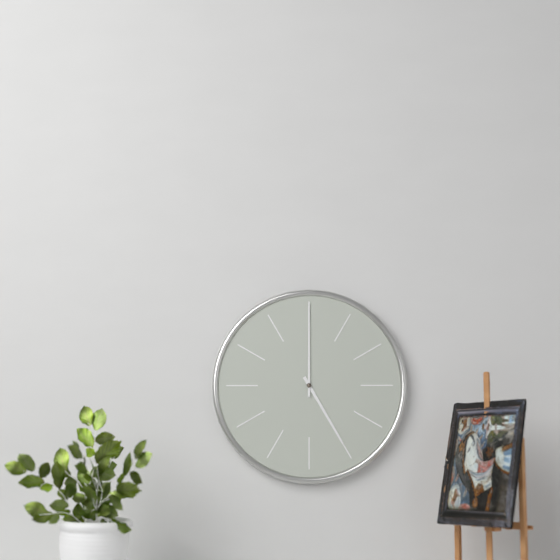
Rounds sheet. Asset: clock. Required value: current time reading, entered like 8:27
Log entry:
5:00
